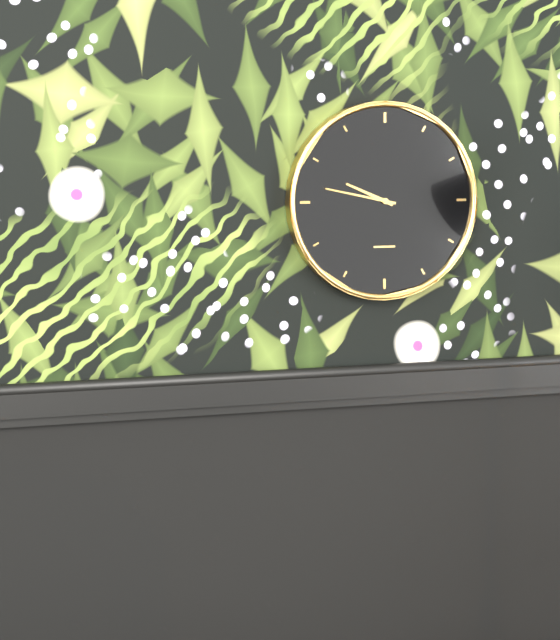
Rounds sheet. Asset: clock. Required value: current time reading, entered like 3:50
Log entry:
9:47
